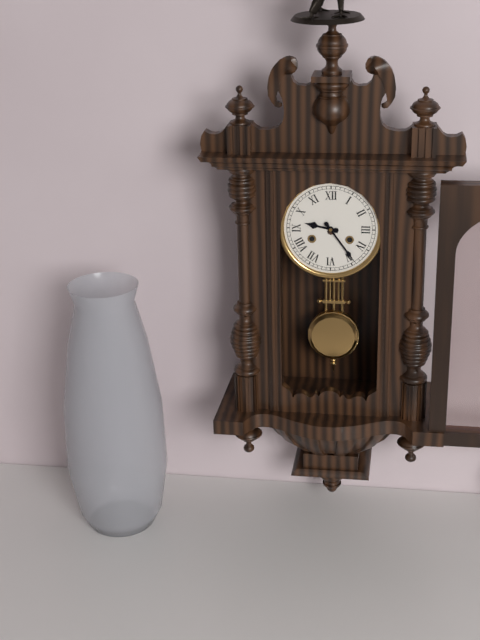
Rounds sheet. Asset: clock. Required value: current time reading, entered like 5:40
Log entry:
9:24
